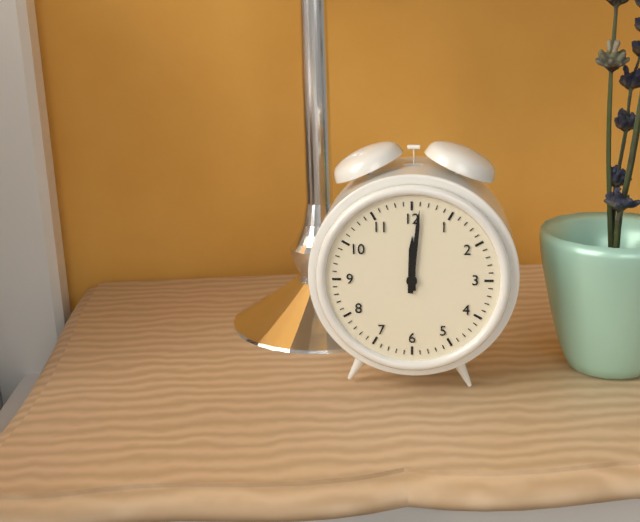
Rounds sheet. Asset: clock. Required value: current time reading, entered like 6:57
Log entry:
12:01
